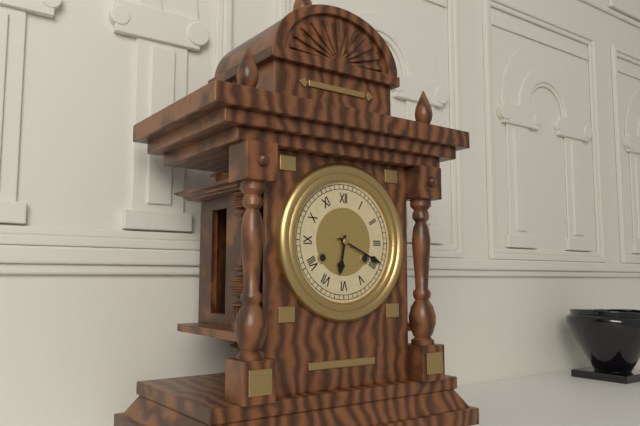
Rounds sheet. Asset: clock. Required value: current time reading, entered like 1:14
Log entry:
6:19
